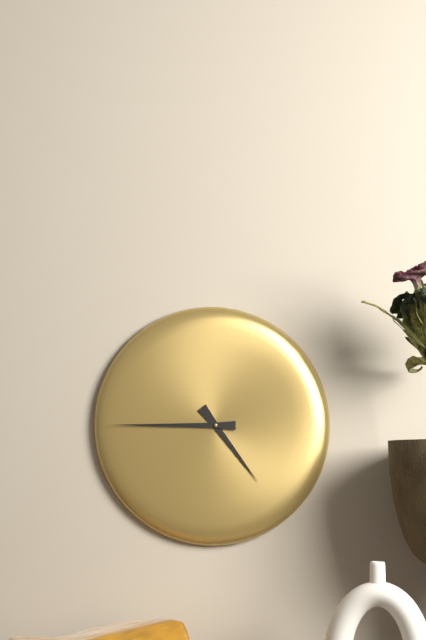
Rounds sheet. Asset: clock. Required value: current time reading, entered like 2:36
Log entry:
4:45
